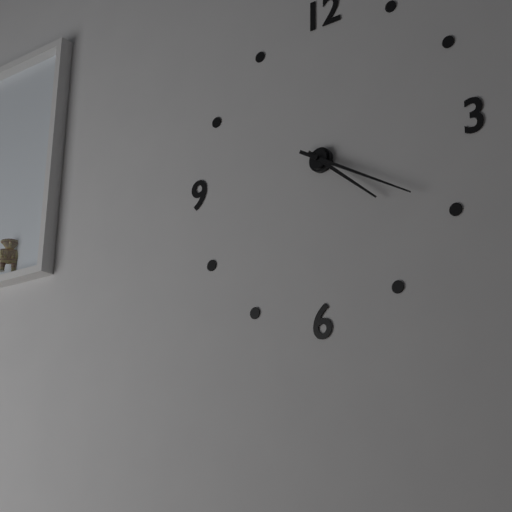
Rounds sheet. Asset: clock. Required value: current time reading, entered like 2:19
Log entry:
4:20
